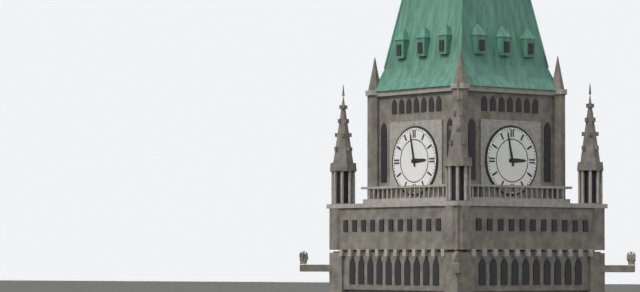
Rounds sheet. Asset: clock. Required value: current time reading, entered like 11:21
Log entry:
2:58
